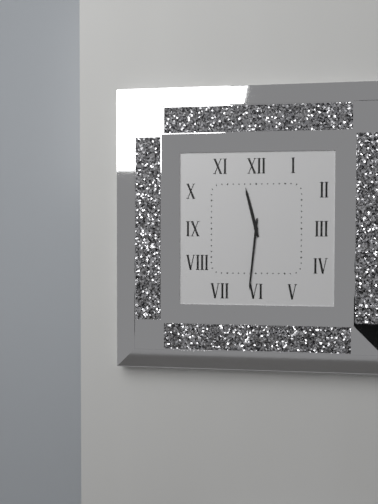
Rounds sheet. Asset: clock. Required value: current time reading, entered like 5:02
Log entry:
11:31
